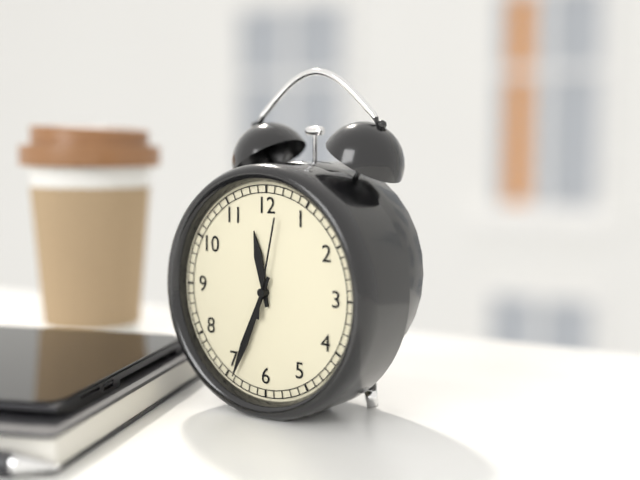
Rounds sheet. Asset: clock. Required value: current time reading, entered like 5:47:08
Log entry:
11:34:02
